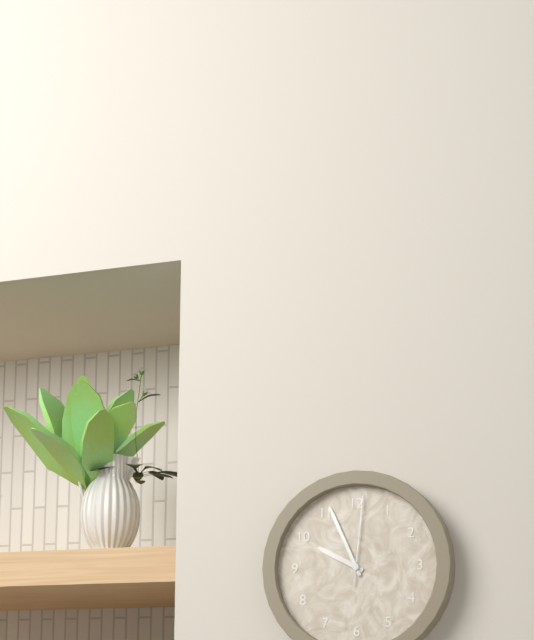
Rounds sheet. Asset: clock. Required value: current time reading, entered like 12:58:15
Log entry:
9:56:01
